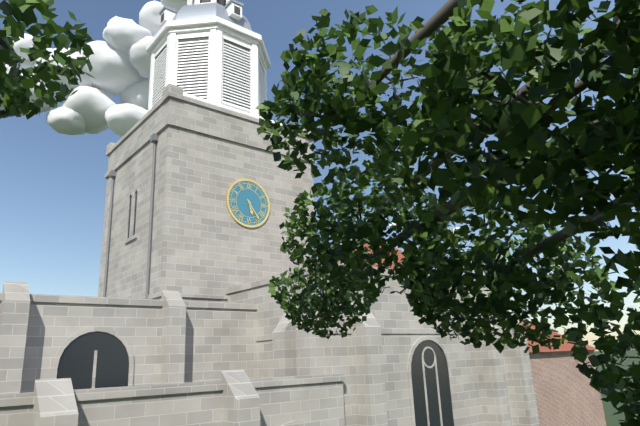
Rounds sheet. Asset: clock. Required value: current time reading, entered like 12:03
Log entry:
5:24
